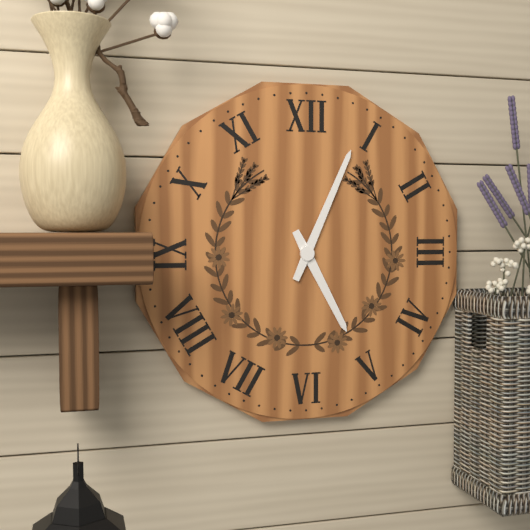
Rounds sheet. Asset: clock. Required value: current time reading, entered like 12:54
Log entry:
5:04
